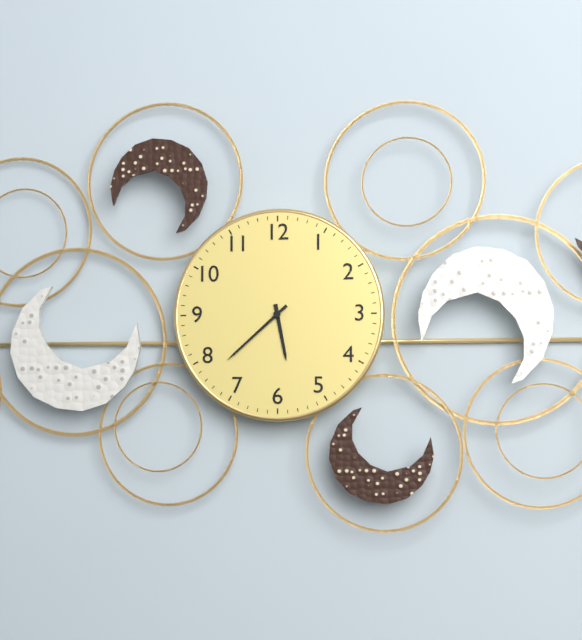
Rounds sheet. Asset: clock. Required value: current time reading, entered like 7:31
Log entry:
5:38
